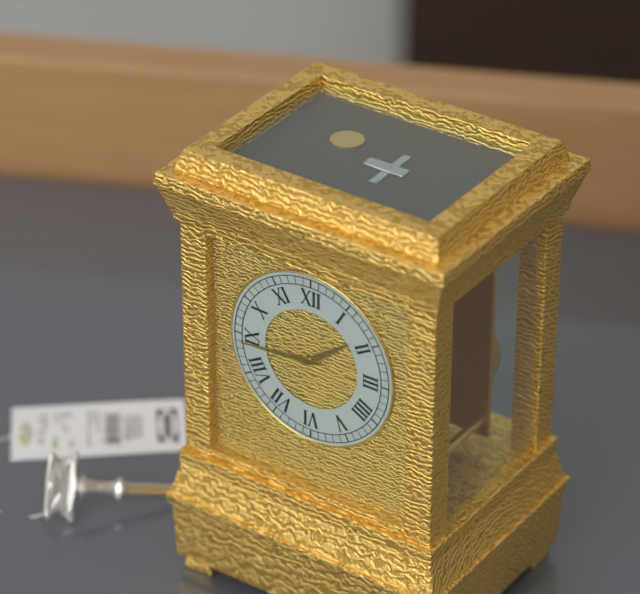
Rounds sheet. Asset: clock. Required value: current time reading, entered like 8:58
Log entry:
1:44
